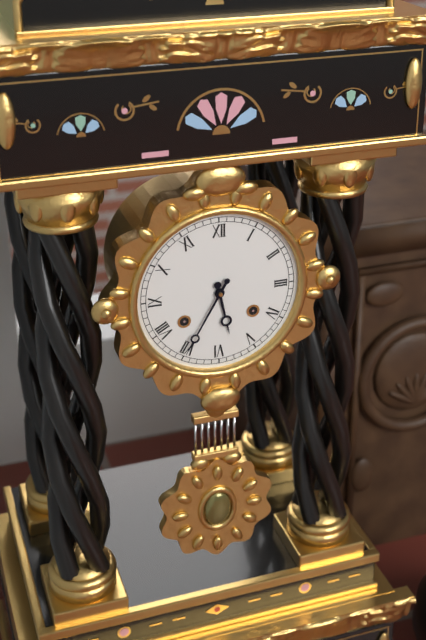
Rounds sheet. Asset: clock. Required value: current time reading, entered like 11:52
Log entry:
5:35
